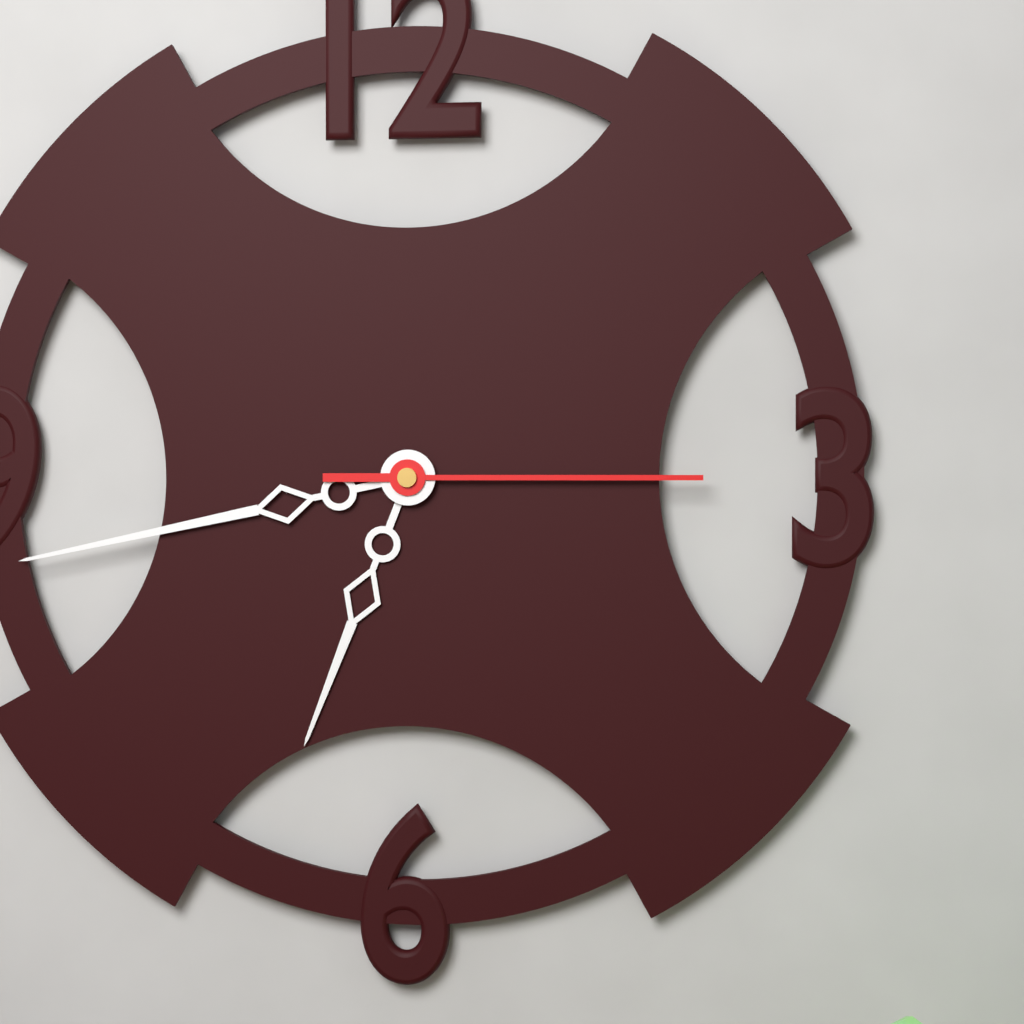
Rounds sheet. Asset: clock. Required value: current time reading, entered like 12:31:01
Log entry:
6:43:15
